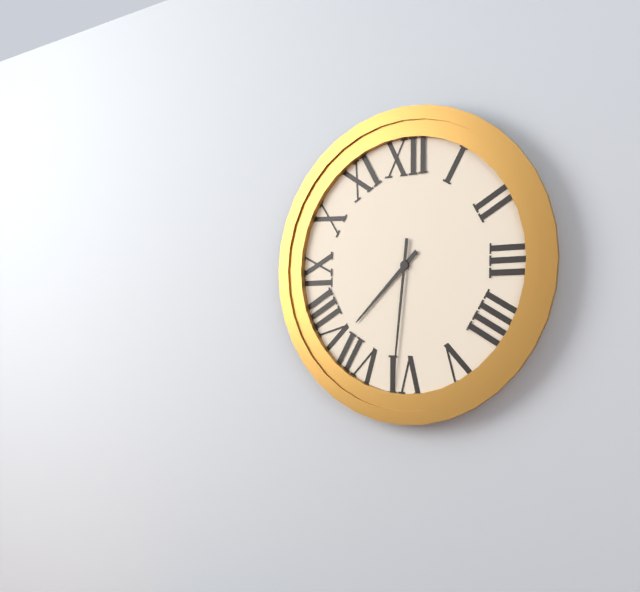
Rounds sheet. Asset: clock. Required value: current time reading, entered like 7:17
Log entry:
7:31
